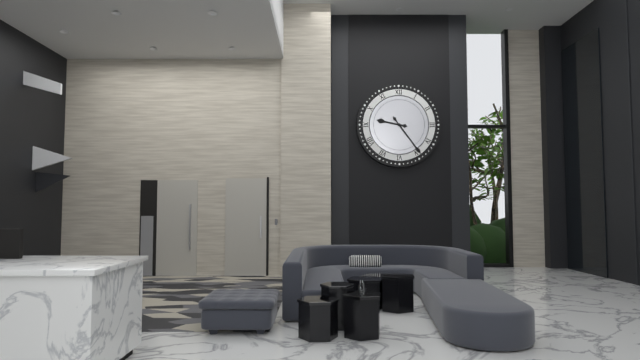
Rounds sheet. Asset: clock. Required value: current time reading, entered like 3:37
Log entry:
9:24
